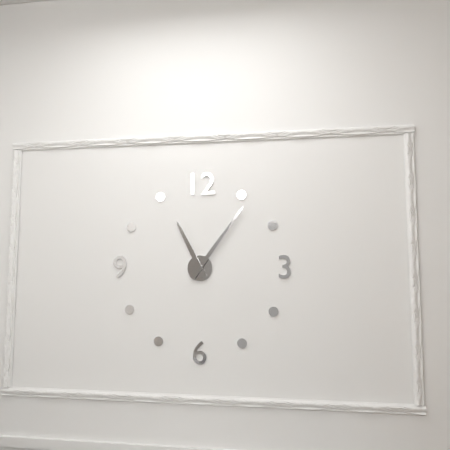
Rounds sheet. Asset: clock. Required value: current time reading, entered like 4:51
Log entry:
11:06
